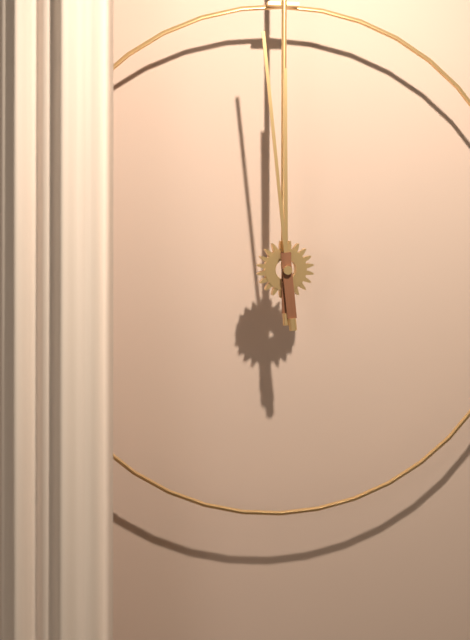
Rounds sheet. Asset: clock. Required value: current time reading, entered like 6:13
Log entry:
11:59
